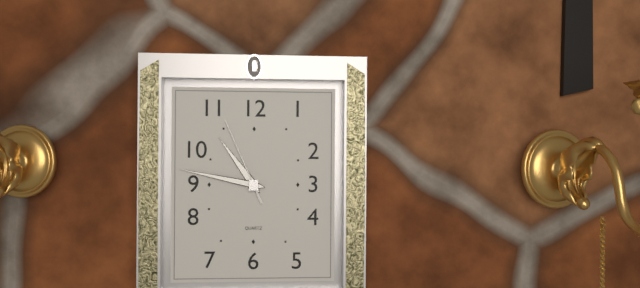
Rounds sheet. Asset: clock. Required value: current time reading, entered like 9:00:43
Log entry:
10:47:56
